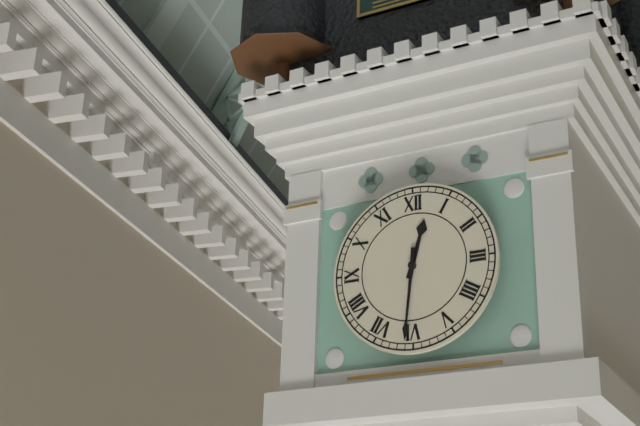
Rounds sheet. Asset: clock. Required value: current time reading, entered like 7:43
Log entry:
12:31
